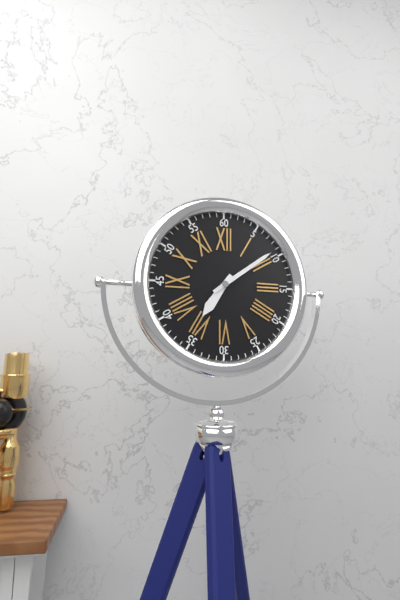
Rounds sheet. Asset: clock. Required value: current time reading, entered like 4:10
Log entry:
7:09
